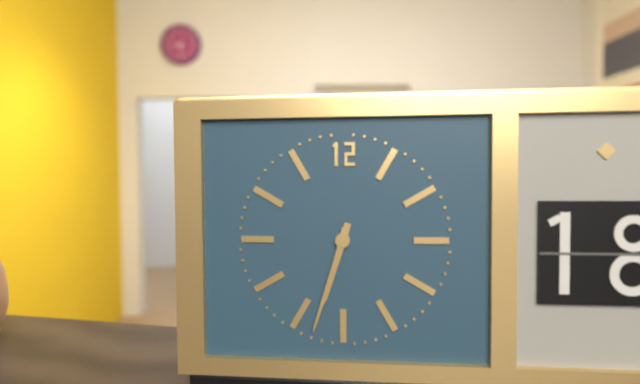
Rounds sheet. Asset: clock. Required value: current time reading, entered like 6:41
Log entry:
6:33
